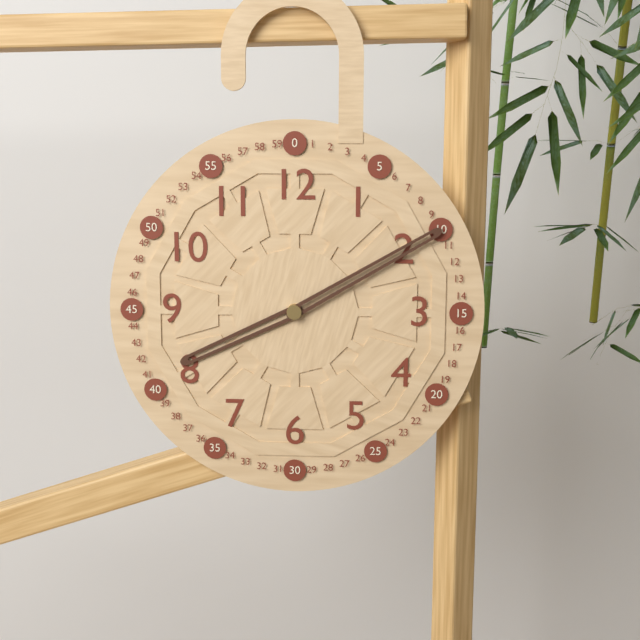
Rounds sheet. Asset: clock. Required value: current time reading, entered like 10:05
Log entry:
8:10
